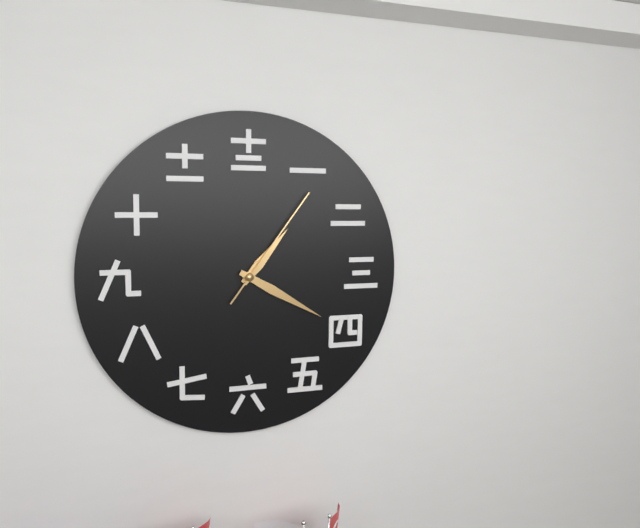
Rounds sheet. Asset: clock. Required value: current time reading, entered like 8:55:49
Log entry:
1:20:06
